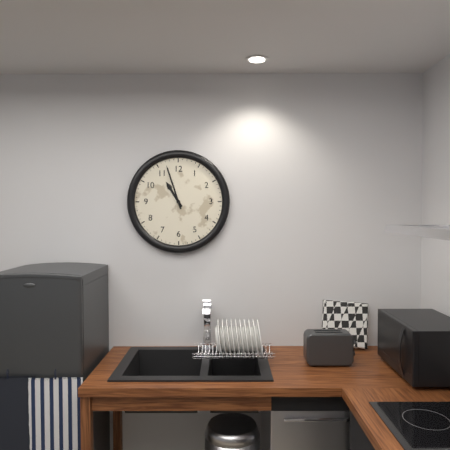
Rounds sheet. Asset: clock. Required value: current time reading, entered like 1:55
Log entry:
10:57
